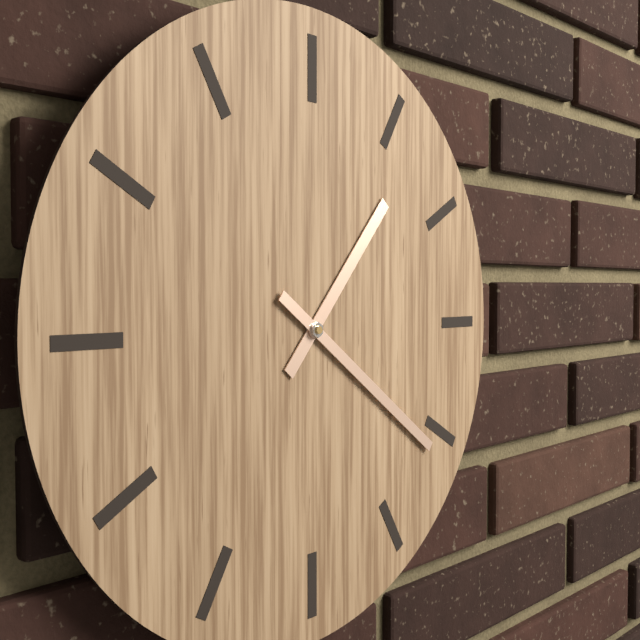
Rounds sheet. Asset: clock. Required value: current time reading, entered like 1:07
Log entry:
1:21
